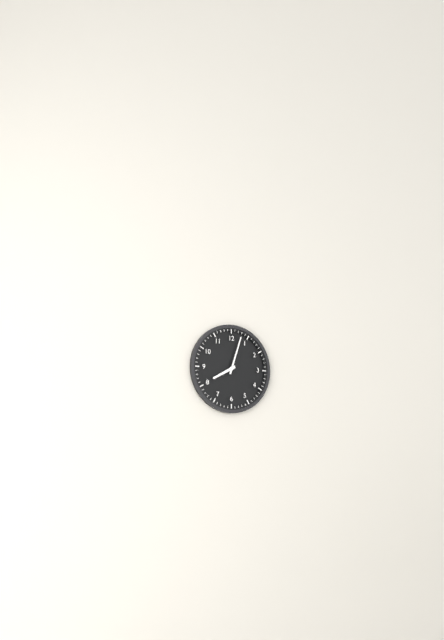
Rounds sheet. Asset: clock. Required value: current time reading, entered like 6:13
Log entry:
8:03
